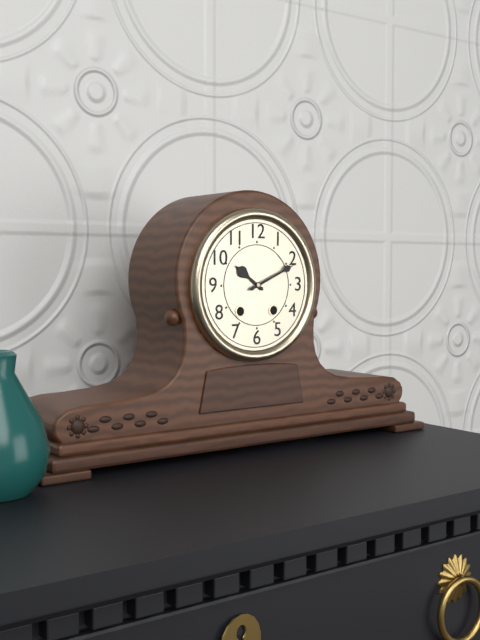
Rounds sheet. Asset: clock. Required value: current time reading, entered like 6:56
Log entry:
10:11
